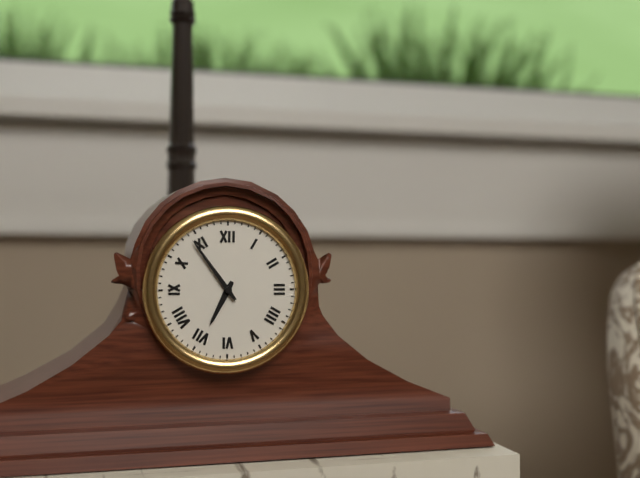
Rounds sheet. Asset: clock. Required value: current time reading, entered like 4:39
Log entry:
6:54
